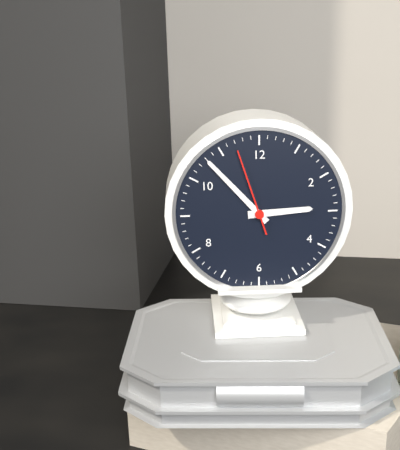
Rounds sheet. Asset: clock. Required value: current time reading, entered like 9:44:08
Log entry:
2:53:57
